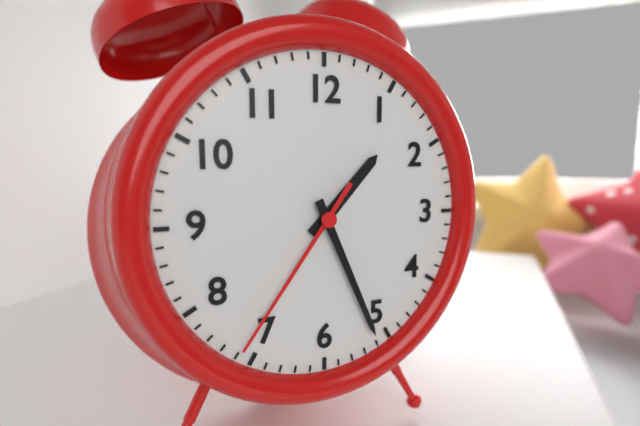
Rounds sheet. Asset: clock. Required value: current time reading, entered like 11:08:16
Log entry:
1:26:36
